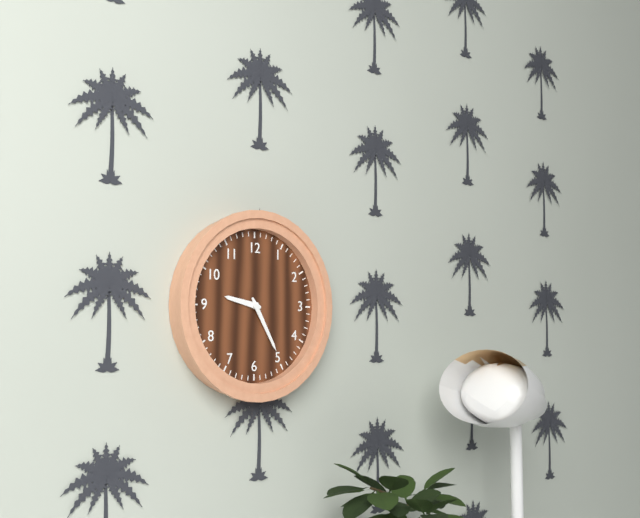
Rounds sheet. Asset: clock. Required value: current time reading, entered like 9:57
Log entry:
9:25
